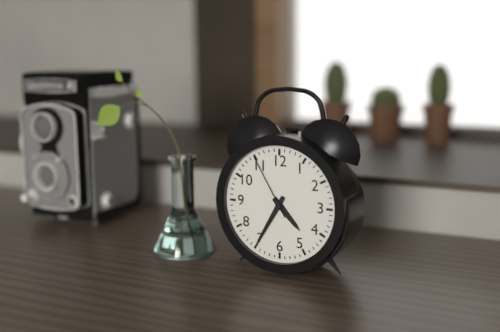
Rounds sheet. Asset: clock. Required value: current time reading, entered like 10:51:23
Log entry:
4:35:55
